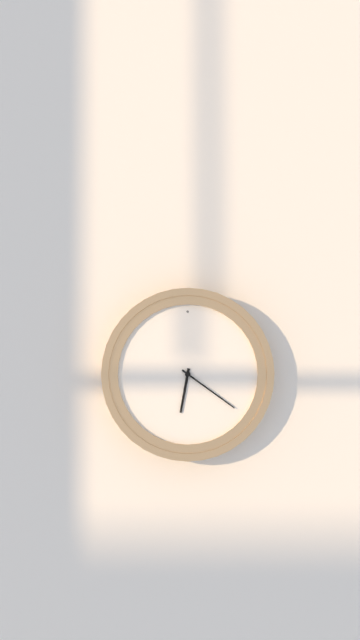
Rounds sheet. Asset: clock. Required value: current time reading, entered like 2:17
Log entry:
6:21
